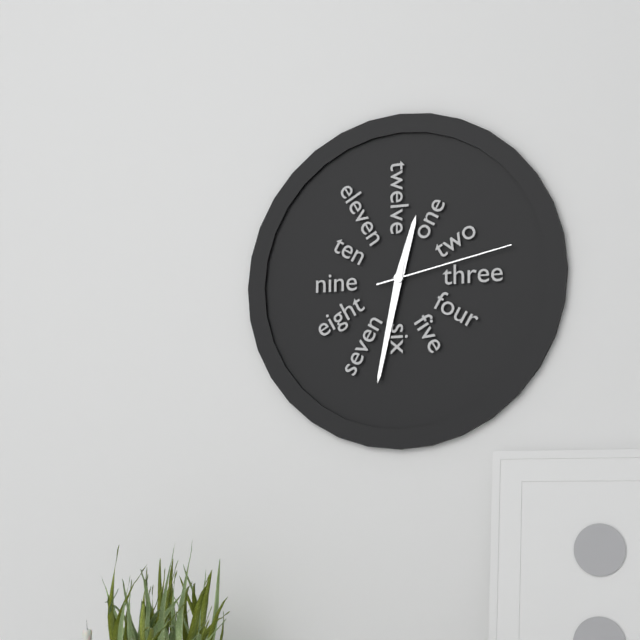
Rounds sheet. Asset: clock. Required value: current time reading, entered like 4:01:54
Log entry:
12:32:13
